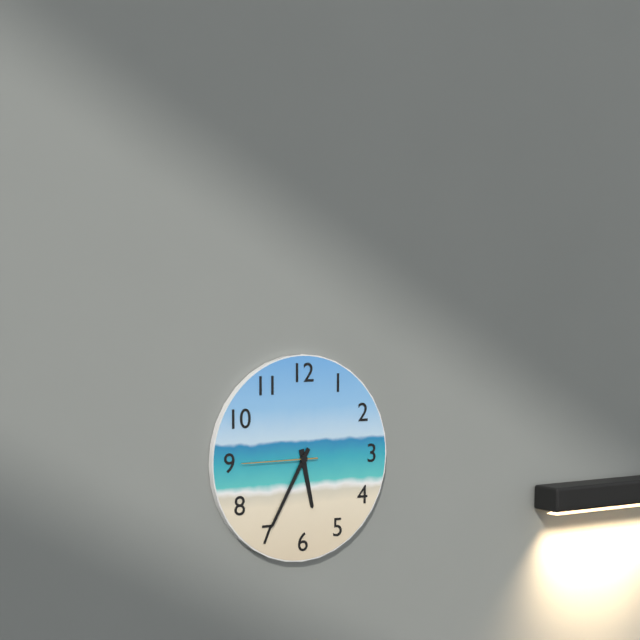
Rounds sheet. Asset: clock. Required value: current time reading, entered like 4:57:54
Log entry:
5:35:45
